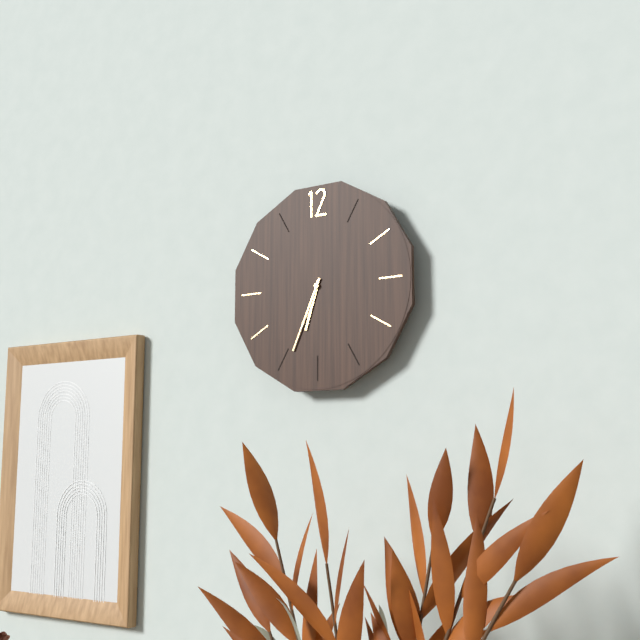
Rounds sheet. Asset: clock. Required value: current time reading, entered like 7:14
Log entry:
6:34
